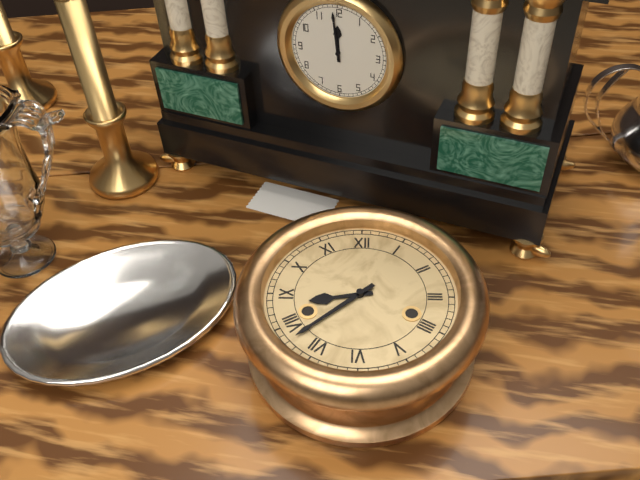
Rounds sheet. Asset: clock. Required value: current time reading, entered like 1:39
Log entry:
8:38
